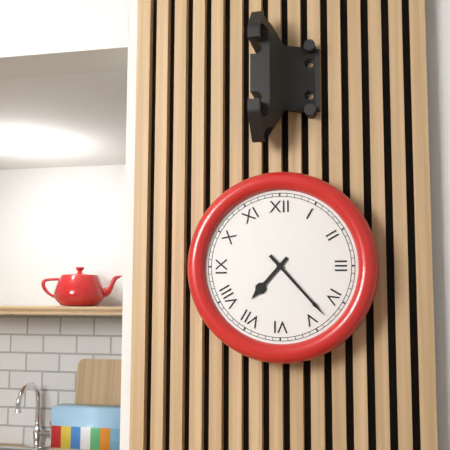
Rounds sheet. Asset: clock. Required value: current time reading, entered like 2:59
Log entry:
7:23
